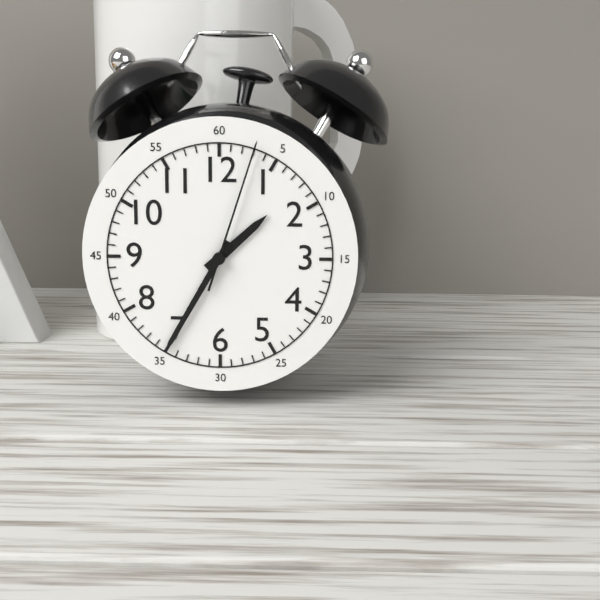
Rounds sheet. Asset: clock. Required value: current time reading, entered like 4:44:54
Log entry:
1:35:03
